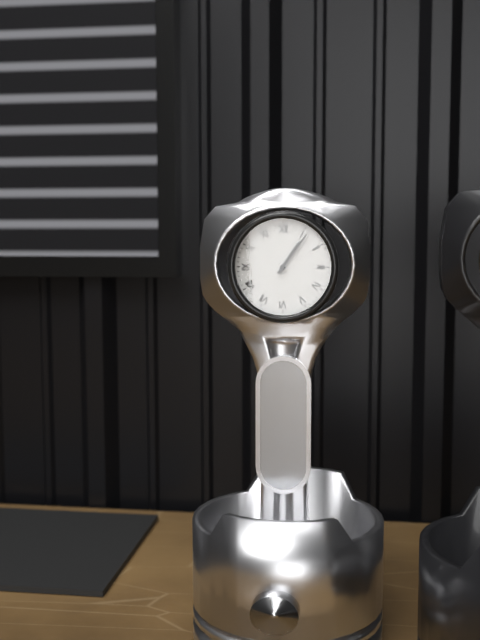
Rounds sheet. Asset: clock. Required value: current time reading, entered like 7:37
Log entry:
1:06
